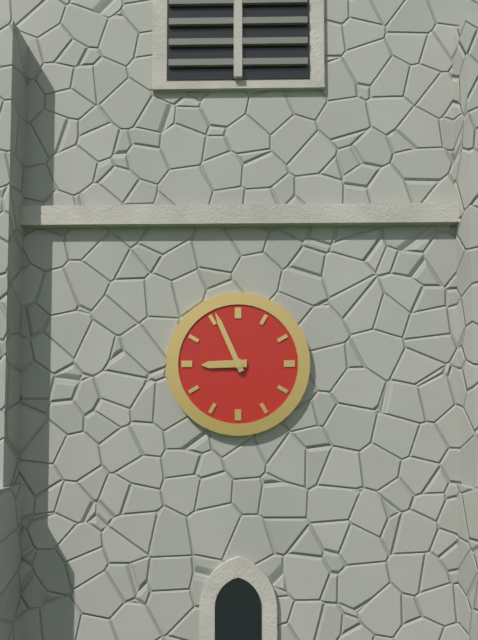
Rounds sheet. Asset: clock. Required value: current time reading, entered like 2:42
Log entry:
8:56
